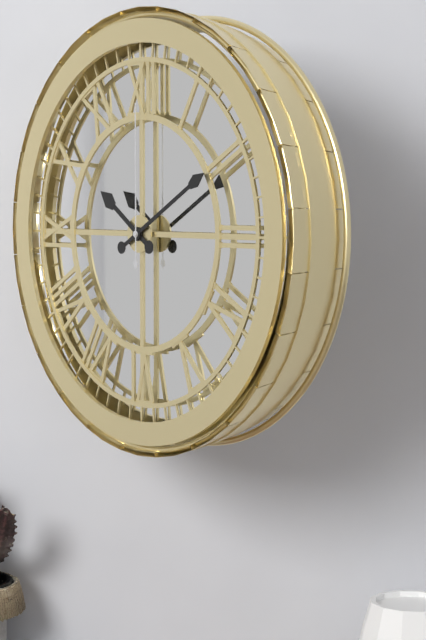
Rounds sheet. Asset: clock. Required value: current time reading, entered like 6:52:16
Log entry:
10:10:00
